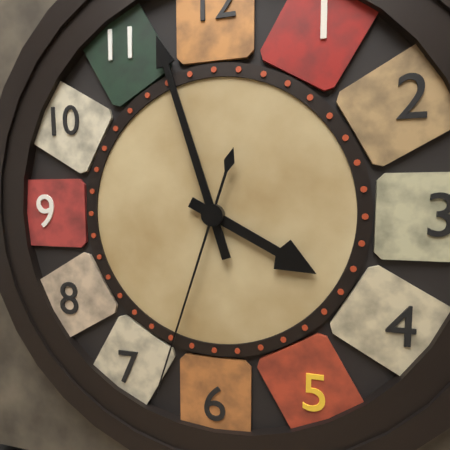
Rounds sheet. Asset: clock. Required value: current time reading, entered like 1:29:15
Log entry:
3:57:33
